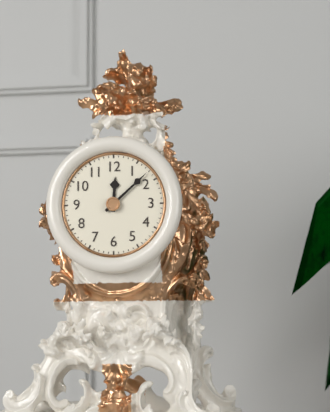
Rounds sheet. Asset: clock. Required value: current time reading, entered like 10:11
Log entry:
12:08
